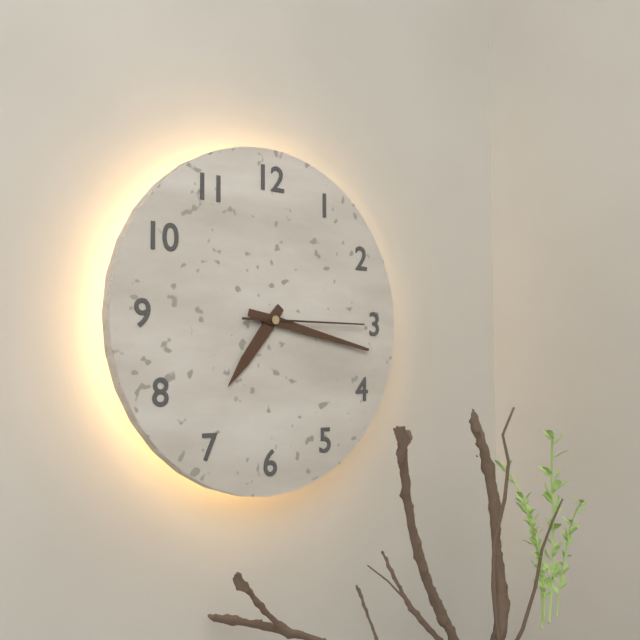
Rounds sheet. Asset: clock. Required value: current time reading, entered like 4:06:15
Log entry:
7:17:15
